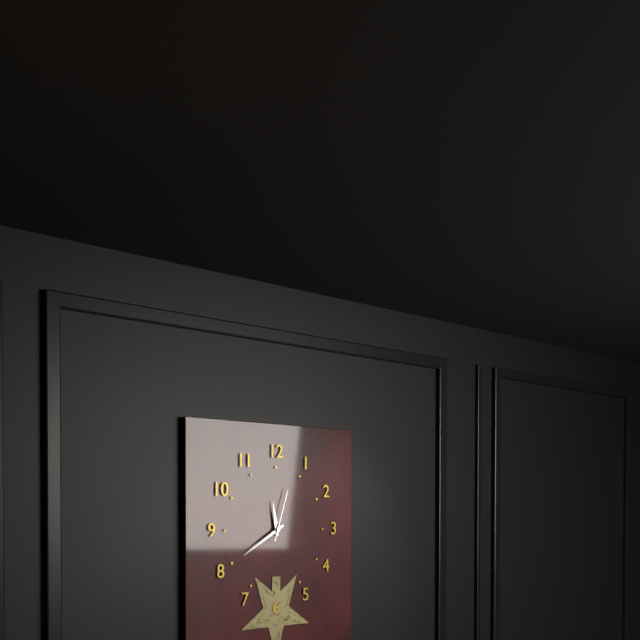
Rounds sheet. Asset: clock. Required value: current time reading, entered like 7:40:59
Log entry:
11:40:03
